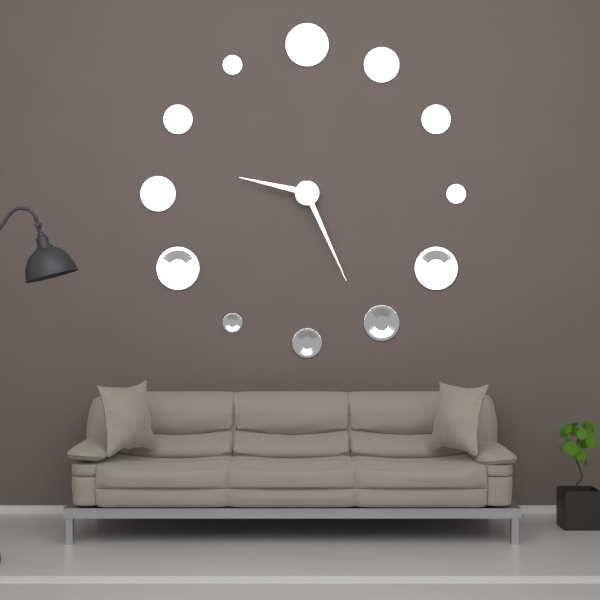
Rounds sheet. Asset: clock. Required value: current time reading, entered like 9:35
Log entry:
9:26
